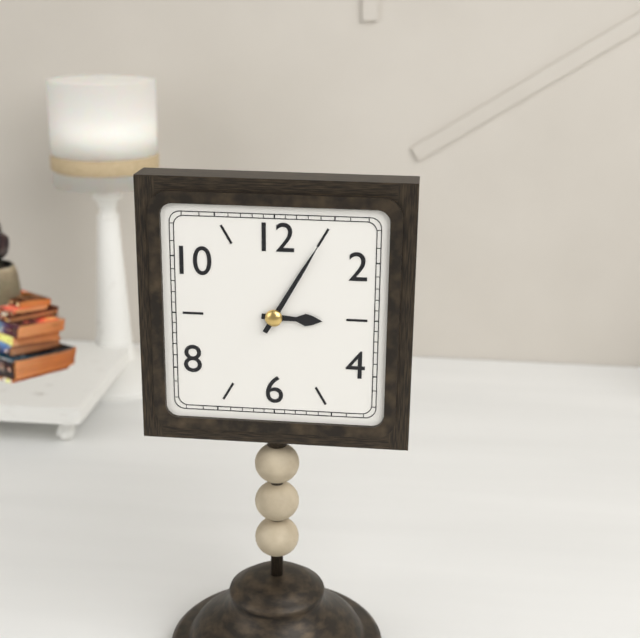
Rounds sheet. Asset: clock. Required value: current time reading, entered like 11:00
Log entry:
3:05
